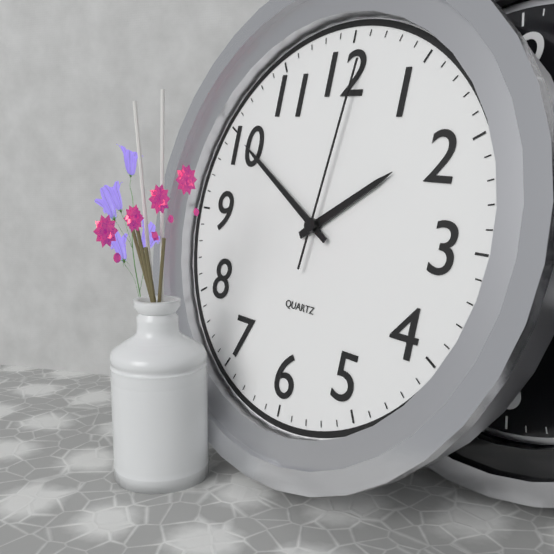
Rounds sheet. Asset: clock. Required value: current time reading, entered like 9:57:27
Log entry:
1:50:01
